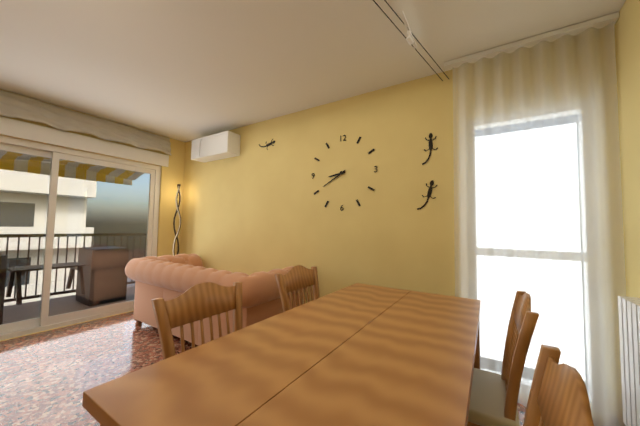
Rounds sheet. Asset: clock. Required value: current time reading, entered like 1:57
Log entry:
8:40
